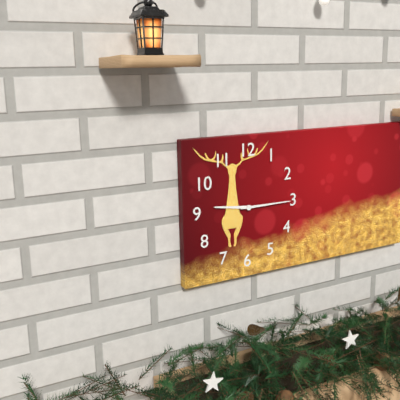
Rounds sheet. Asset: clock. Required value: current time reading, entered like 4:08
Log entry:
9:15
